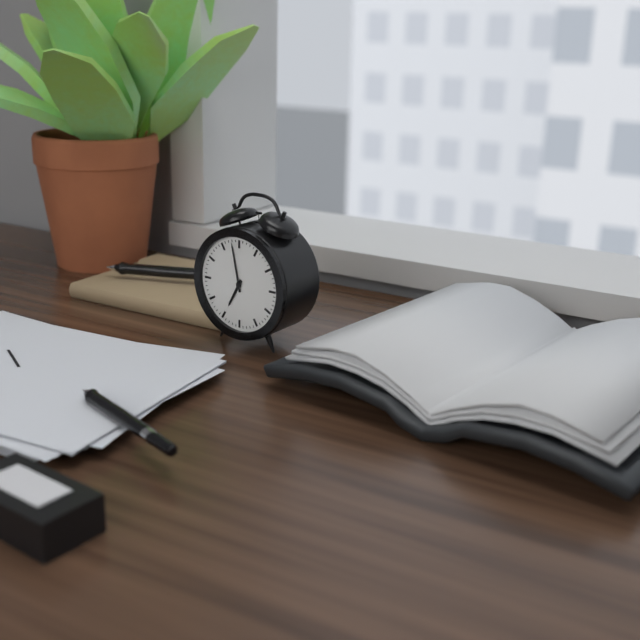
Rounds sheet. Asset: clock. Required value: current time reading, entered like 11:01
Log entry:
6:58
